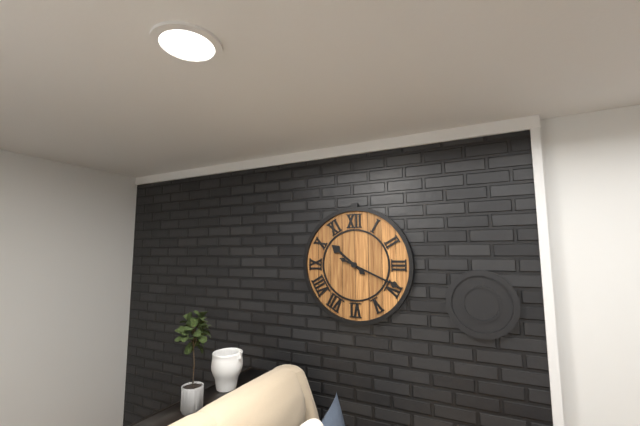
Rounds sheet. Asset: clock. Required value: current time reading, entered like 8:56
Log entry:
10:19
